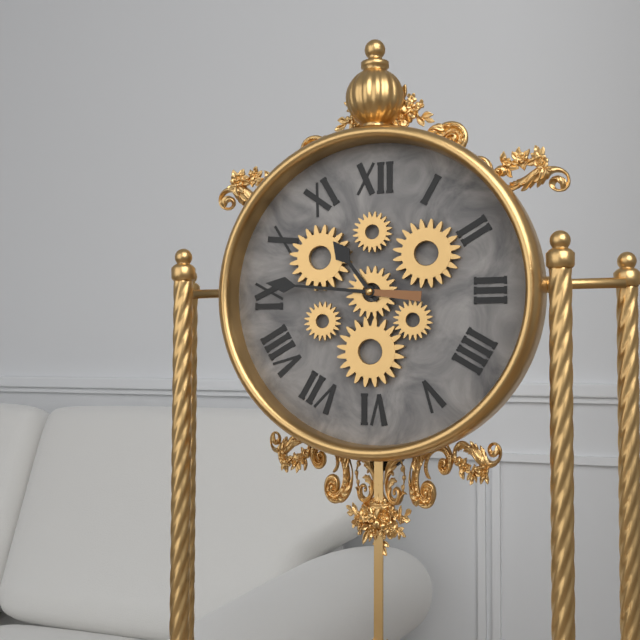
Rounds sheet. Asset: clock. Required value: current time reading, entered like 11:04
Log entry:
10:46
